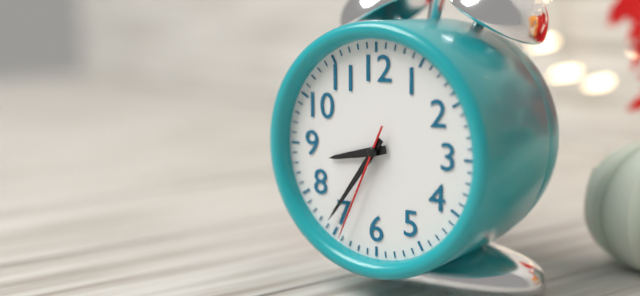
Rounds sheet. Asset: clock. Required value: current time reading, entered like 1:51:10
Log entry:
8:36:34
